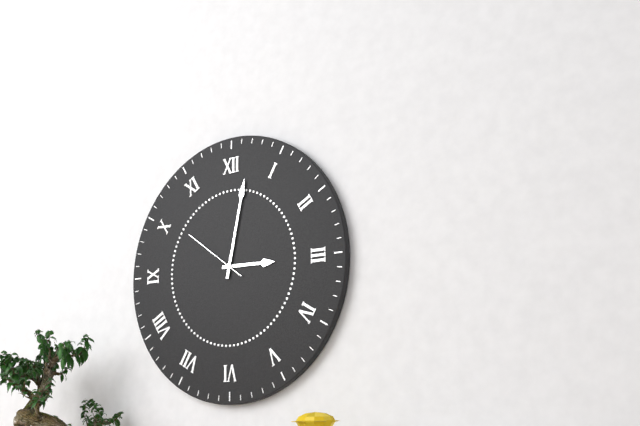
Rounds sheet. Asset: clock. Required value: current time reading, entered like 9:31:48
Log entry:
3:02:51
